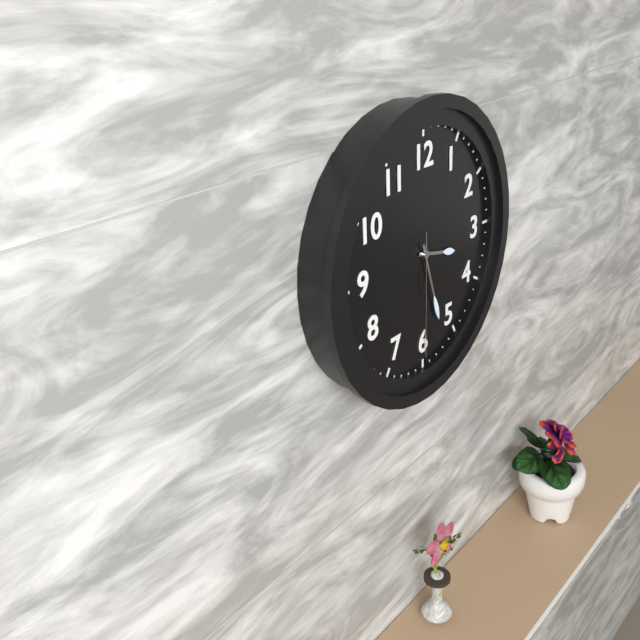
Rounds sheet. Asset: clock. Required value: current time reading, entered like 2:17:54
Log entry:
3:27:30
